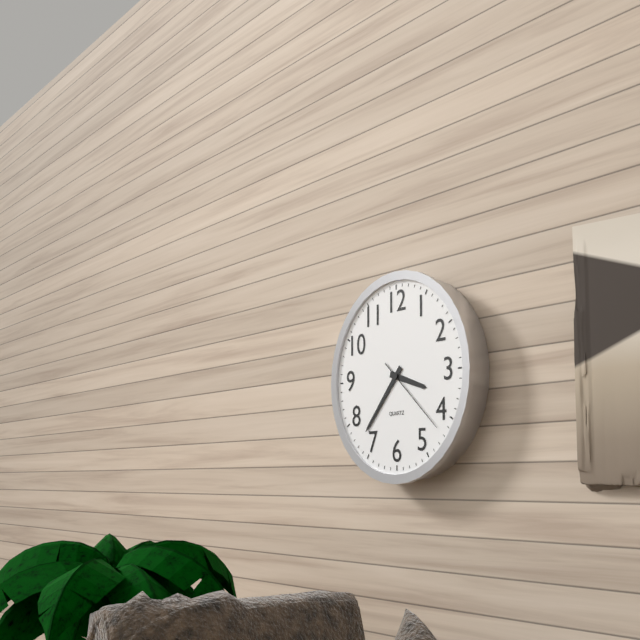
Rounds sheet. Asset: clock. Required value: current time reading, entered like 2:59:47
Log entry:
3:37:22
